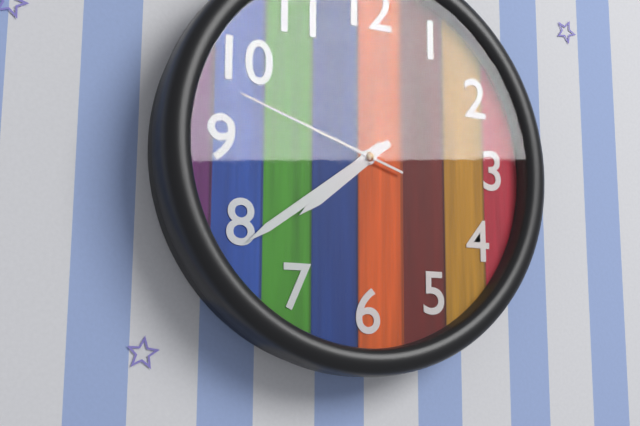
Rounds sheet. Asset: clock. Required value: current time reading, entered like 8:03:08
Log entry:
7:39:48
